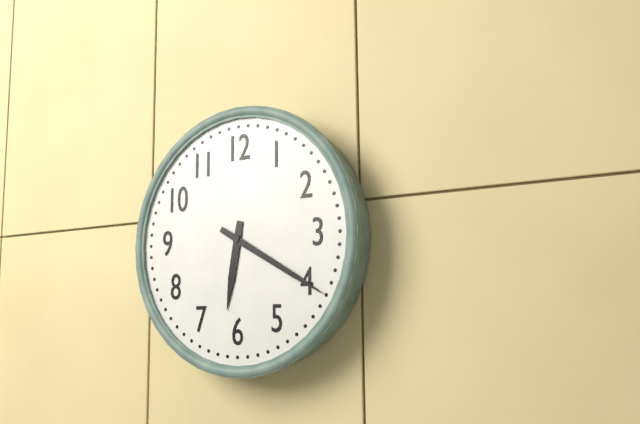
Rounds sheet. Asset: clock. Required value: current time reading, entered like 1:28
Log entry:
6:20
